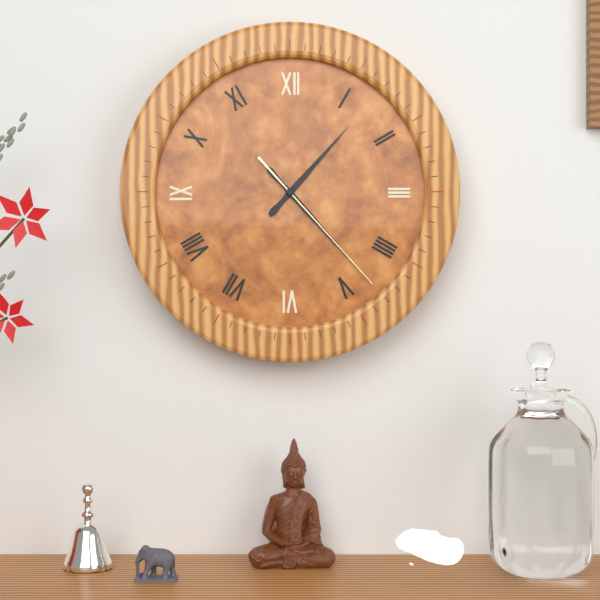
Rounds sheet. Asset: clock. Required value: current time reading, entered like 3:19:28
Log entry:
1:23:23
